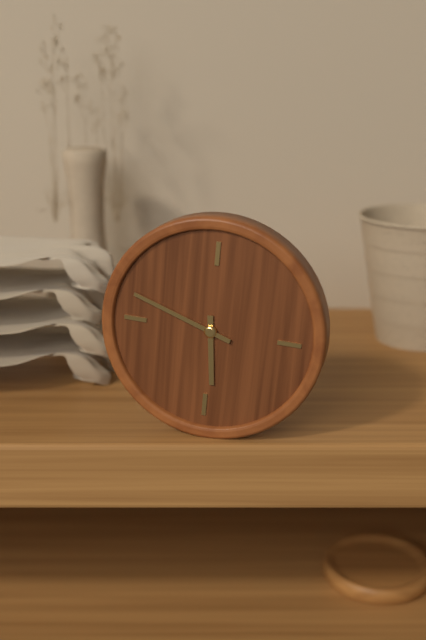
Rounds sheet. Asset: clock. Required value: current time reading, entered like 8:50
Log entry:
5:48
